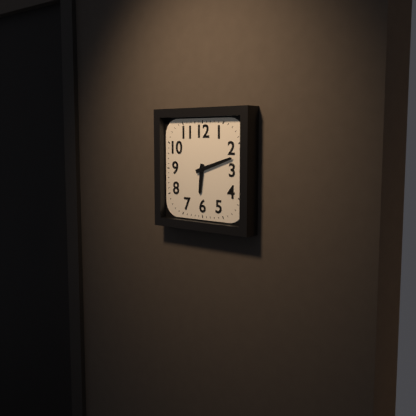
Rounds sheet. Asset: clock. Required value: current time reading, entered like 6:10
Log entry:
6:12
